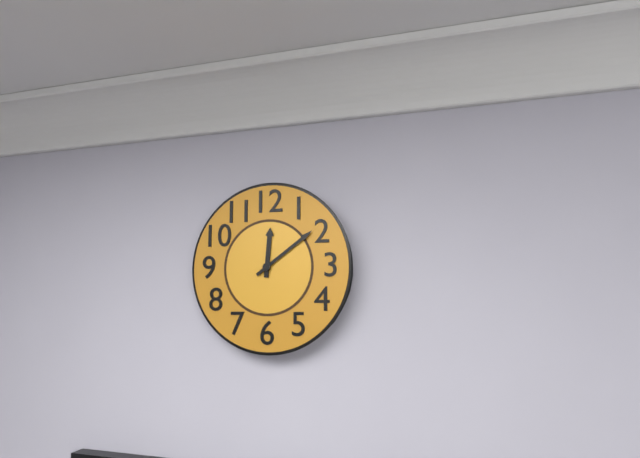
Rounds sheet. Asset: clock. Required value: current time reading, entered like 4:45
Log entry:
12:09
